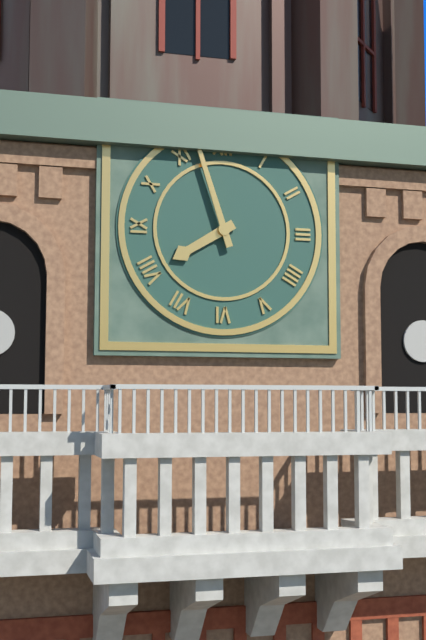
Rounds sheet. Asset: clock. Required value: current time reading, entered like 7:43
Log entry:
7:57
